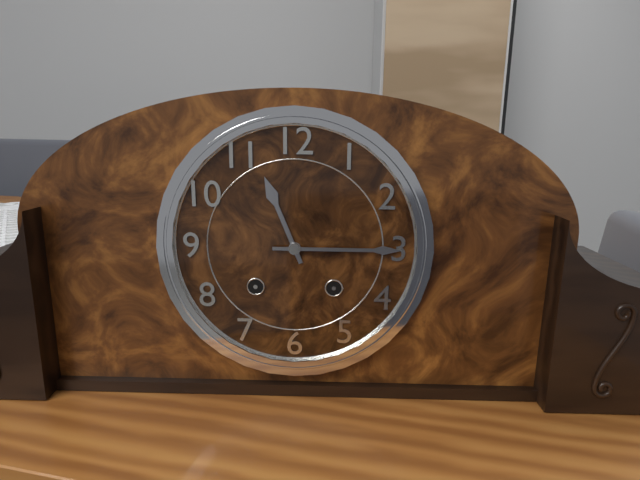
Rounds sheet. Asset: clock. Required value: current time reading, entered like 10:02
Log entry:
11:15
